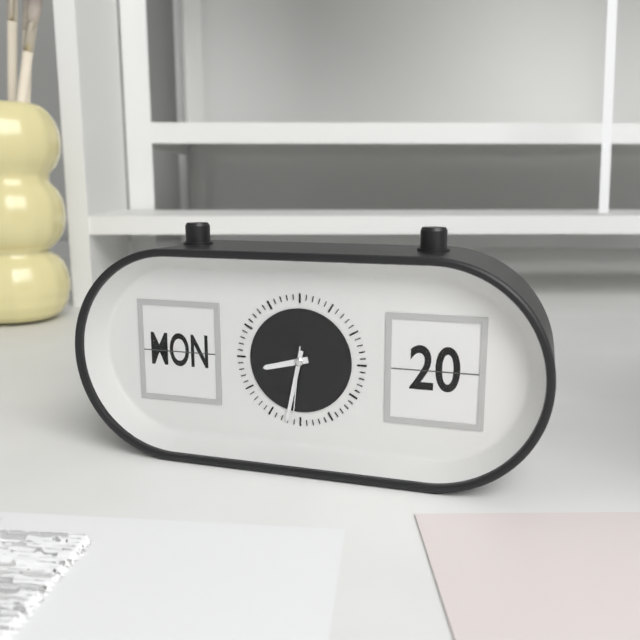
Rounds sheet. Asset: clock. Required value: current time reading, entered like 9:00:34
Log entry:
8:32:31
